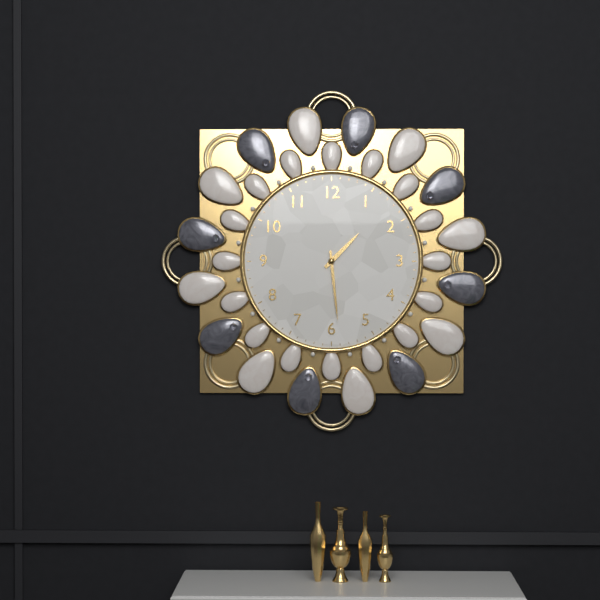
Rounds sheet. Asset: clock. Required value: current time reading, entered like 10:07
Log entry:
1:29
